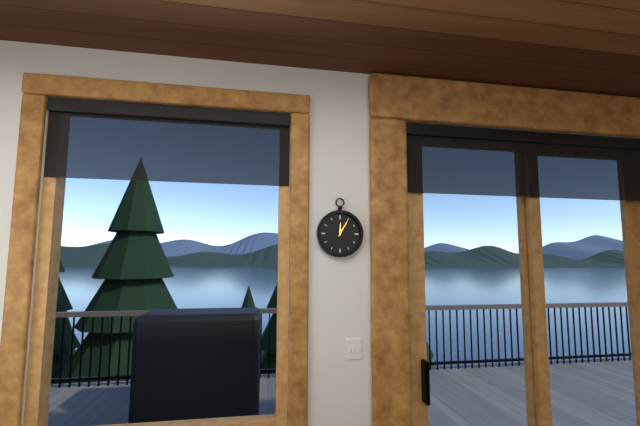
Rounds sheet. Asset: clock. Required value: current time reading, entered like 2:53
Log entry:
12:05
